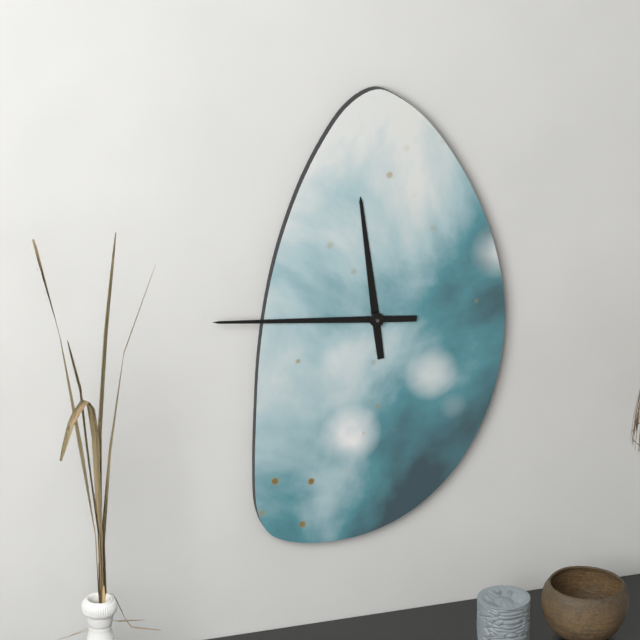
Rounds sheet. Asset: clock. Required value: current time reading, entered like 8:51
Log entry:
11:46
